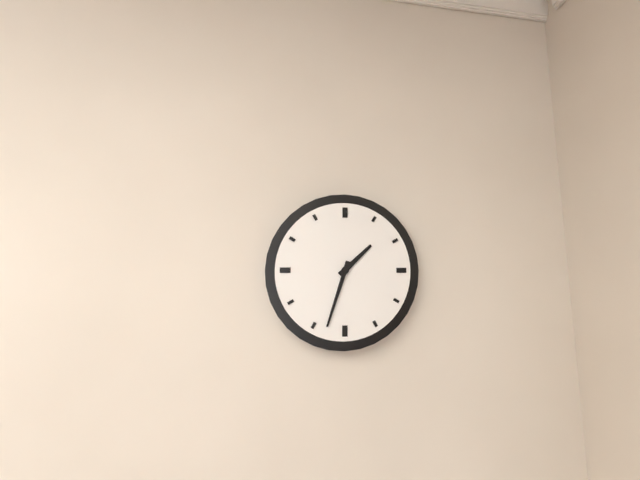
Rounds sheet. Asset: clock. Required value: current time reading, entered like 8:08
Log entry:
1:33
